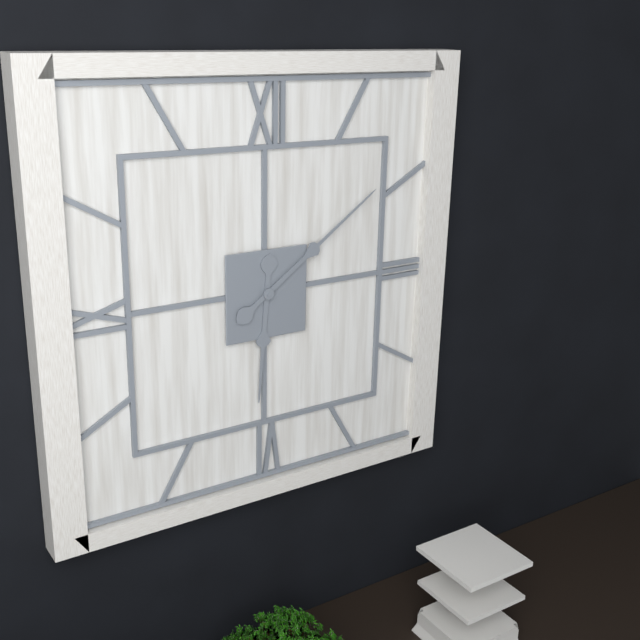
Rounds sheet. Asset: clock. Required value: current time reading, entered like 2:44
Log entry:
6:09
